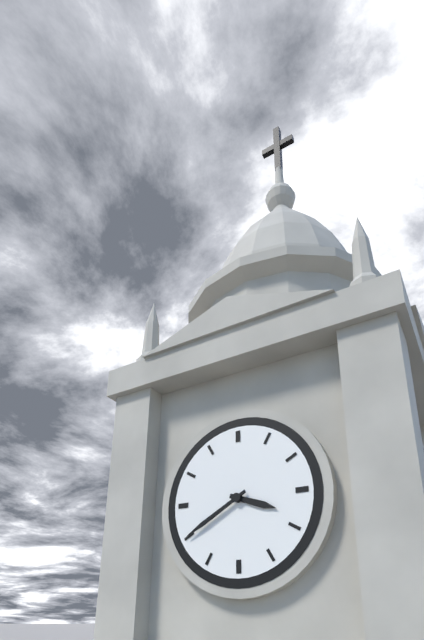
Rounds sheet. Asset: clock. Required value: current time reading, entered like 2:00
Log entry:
3:40
